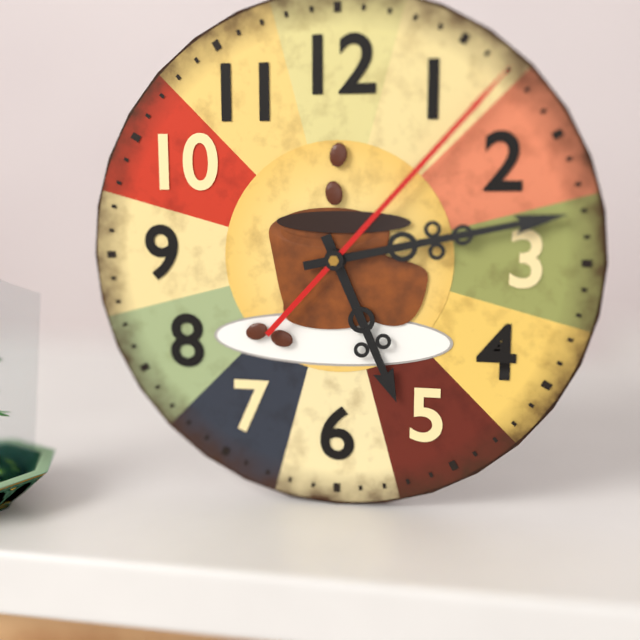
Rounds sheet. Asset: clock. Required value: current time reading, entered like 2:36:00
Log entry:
5:13:07
